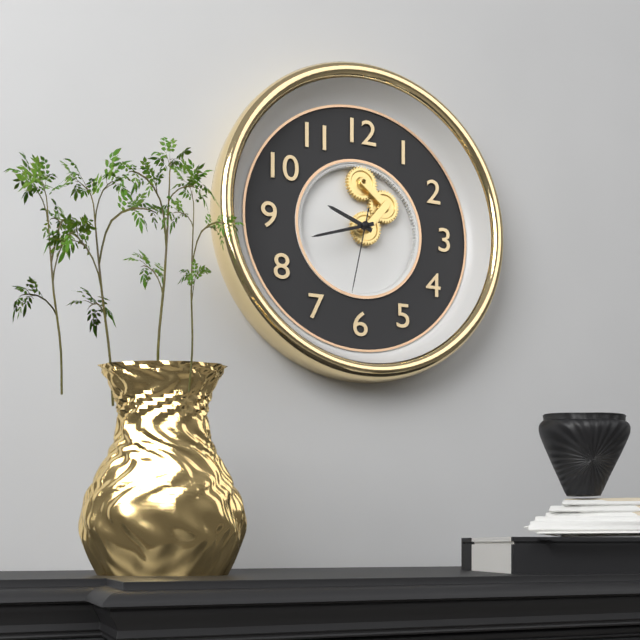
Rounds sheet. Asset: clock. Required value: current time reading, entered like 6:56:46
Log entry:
9:42:32
